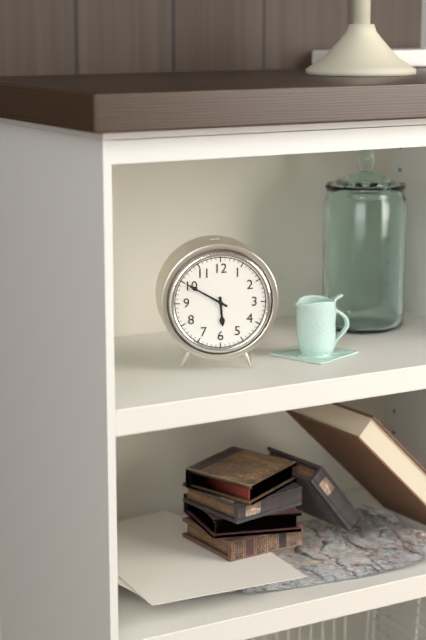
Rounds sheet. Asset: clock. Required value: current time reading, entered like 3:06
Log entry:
5:50
